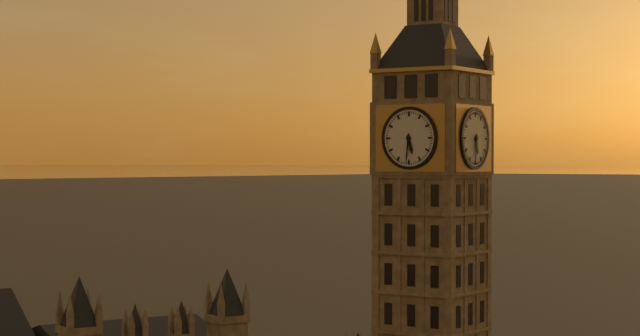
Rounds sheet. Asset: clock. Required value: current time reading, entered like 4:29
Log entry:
5:31
